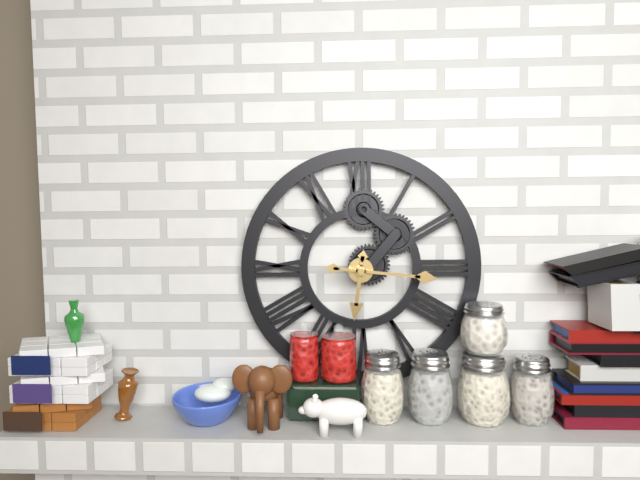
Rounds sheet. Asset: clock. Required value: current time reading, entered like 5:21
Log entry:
6:16
